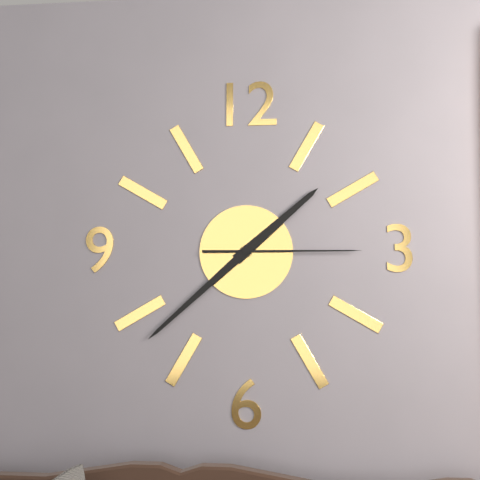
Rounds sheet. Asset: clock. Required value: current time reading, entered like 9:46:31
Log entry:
1:38:15
